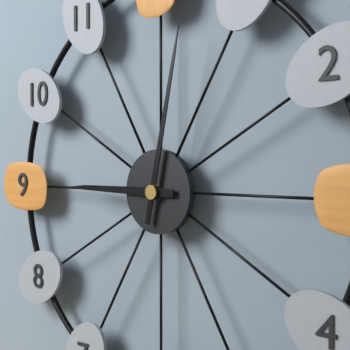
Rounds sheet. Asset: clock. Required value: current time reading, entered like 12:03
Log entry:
9:02
